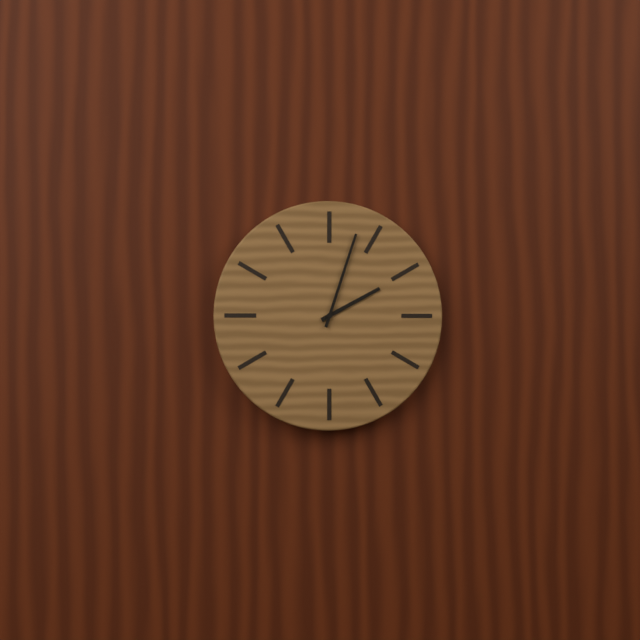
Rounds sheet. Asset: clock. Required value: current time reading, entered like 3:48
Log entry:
2:03
